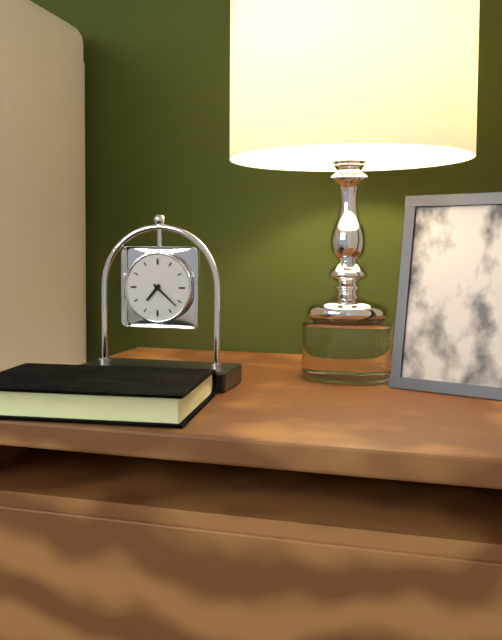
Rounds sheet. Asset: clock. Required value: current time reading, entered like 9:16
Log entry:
7:22
